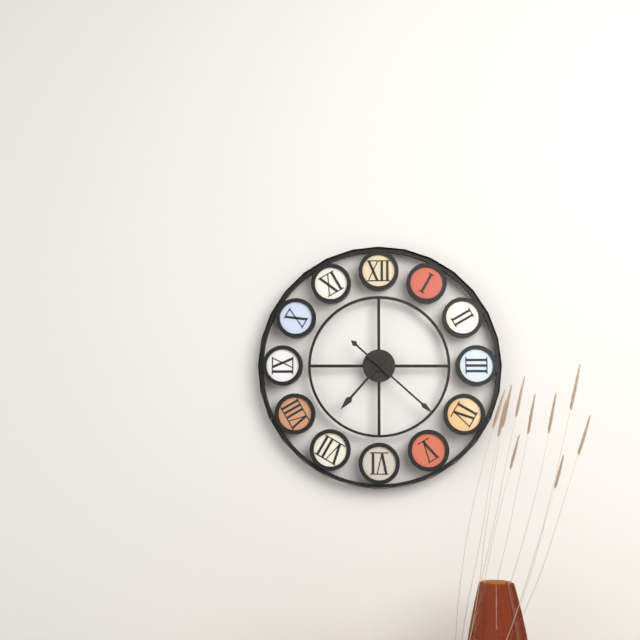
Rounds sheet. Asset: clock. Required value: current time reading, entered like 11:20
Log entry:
7:22
